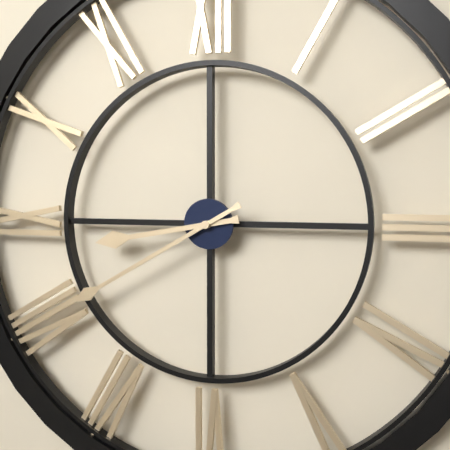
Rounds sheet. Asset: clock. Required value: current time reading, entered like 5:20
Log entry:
8:40
